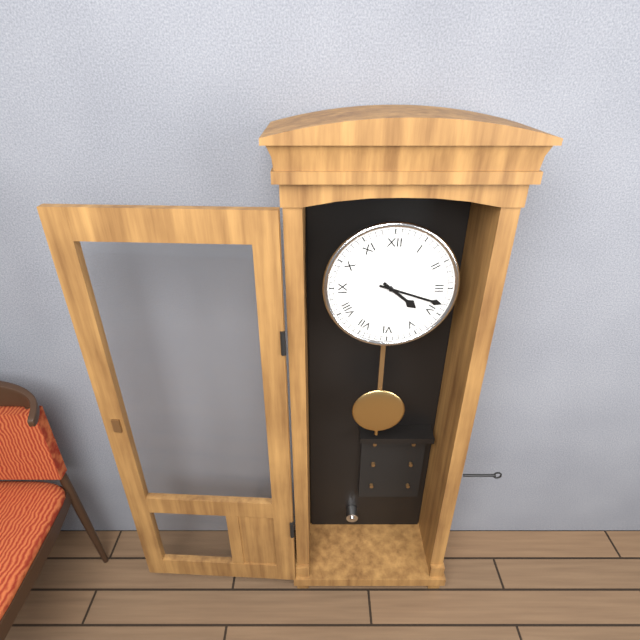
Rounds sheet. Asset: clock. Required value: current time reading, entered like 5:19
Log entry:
4:18
